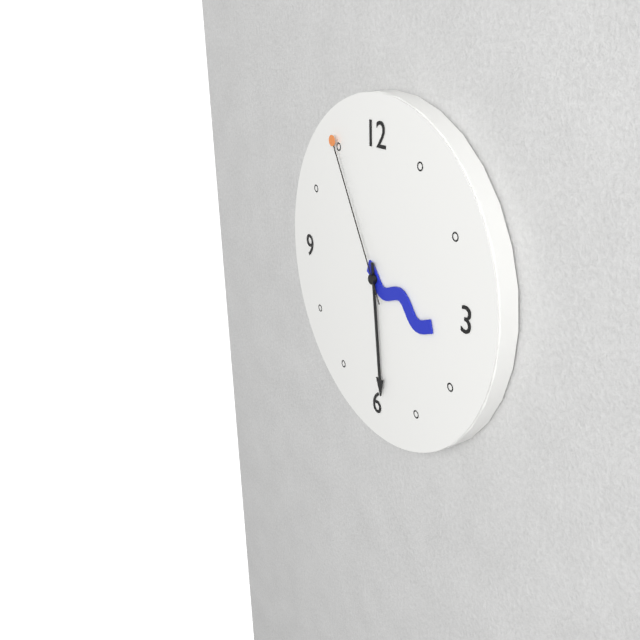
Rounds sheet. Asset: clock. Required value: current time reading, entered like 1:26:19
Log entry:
3:29:55
